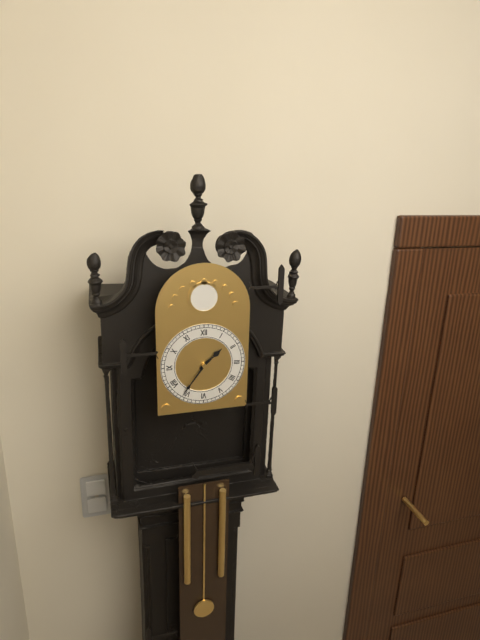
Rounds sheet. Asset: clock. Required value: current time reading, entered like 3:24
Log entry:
1:36
